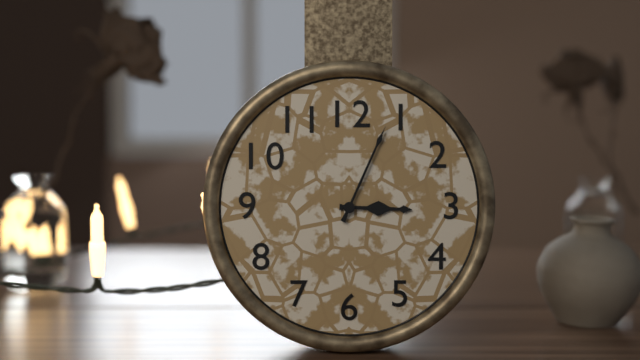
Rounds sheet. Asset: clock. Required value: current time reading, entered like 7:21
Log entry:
3:04
